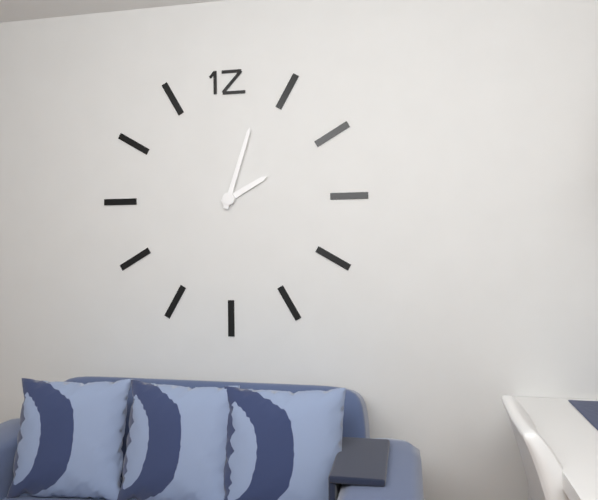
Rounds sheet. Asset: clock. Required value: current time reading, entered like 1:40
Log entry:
2:03
